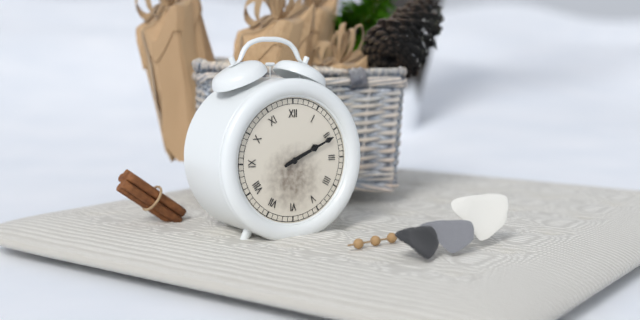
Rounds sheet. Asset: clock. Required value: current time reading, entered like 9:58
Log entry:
2:11
